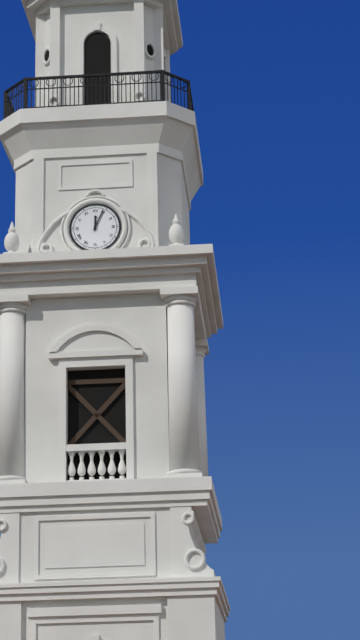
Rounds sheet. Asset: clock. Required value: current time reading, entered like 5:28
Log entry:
12:04
